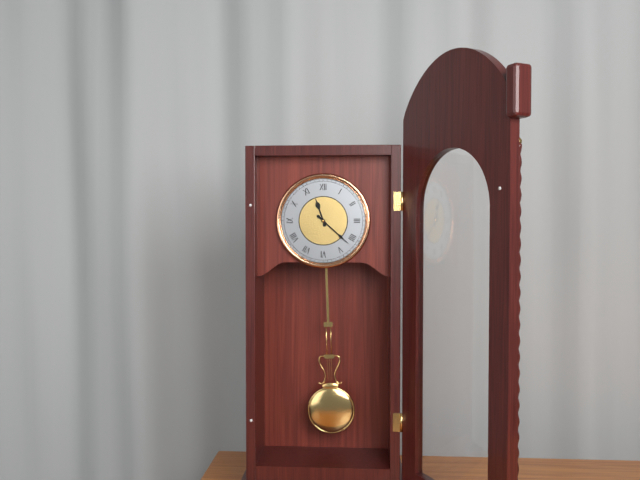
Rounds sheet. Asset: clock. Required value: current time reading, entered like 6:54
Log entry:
11:22
